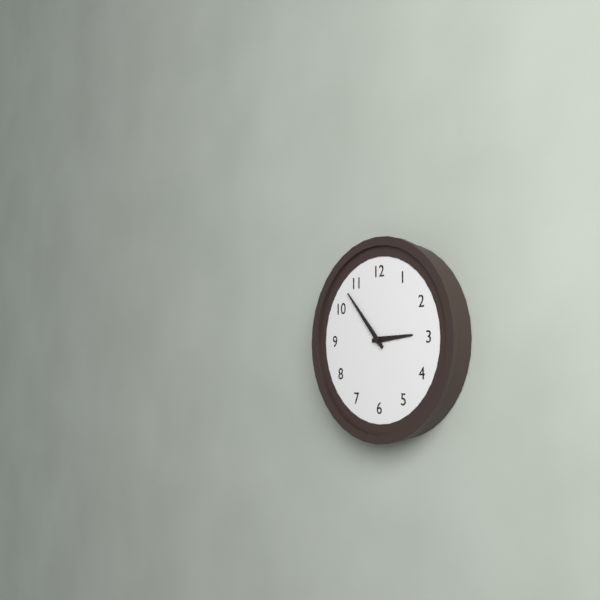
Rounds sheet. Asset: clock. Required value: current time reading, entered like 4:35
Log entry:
2:53
